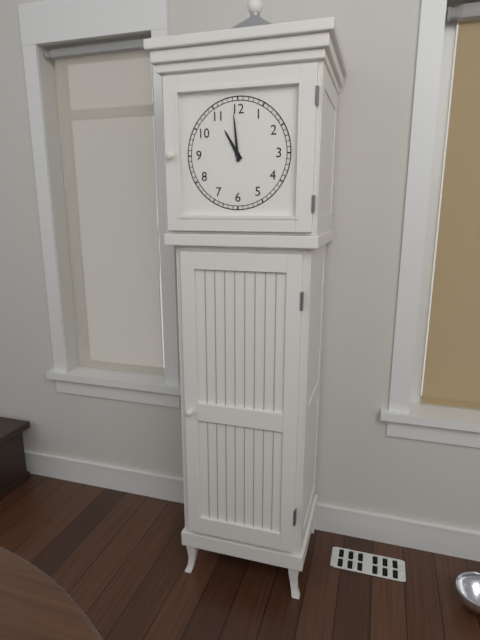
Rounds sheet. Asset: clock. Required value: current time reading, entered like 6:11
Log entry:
10:59
